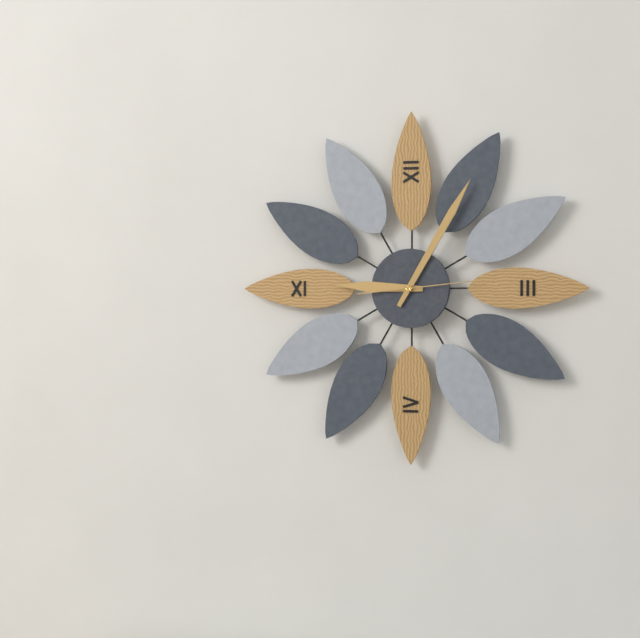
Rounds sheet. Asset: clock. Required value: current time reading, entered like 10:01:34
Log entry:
9:05:14
